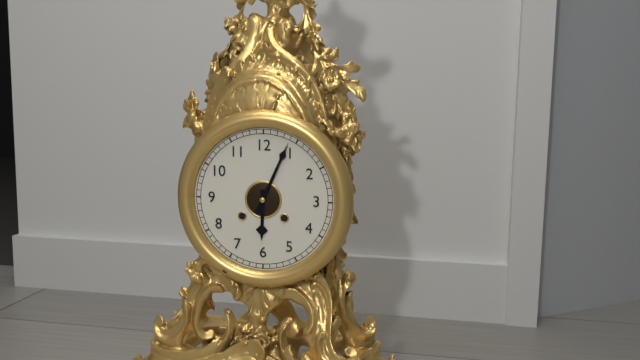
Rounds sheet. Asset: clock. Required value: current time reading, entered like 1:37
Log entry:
6:04
